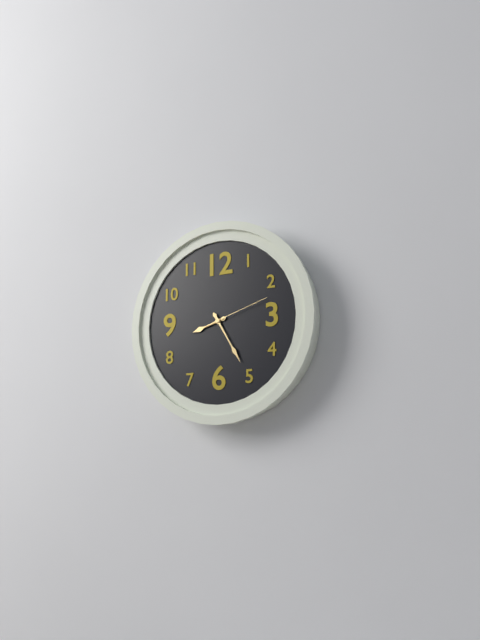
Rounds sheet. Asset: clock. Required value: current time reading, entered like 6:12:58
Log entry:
8:25:12
